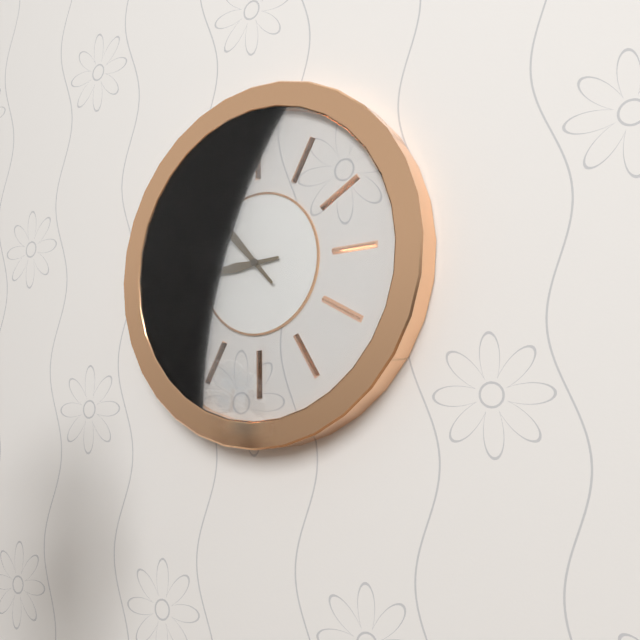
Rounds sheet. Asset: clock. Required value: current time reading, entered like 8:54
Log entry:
8:53
